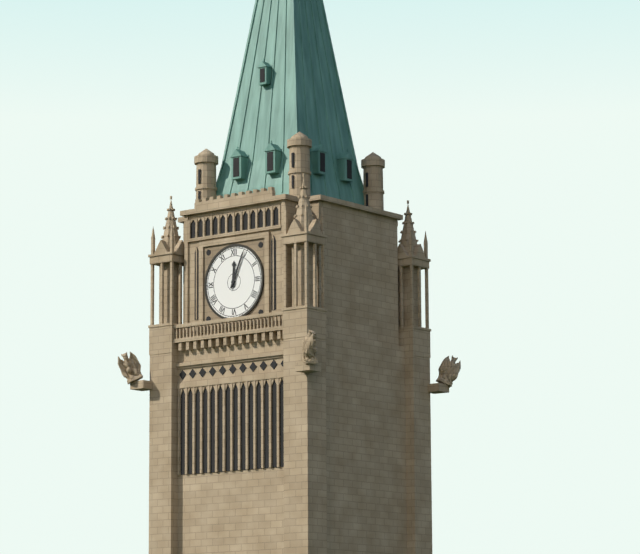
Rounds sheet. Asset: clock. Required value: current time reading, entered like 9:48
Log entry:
12:04
